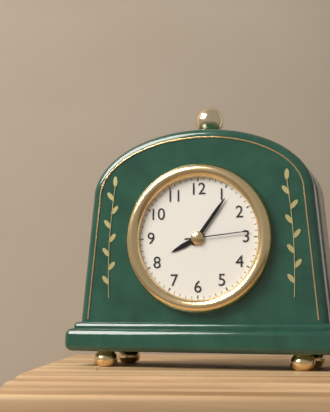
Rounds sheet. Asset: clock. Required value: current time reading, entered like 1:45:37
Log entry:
8:06:14
